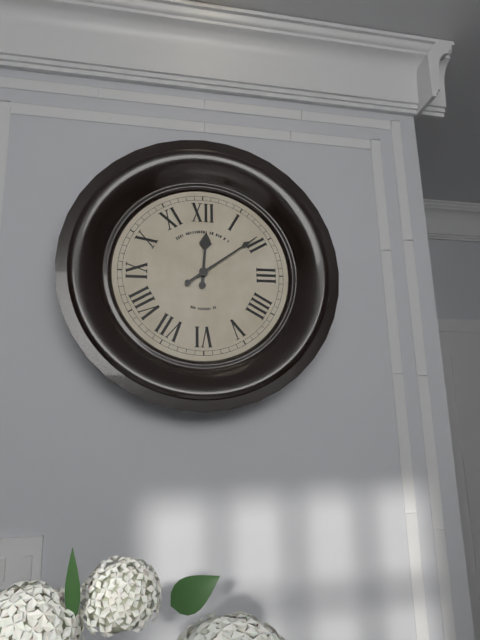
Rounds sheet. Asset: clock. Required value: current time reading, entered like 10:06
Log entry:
12:09
